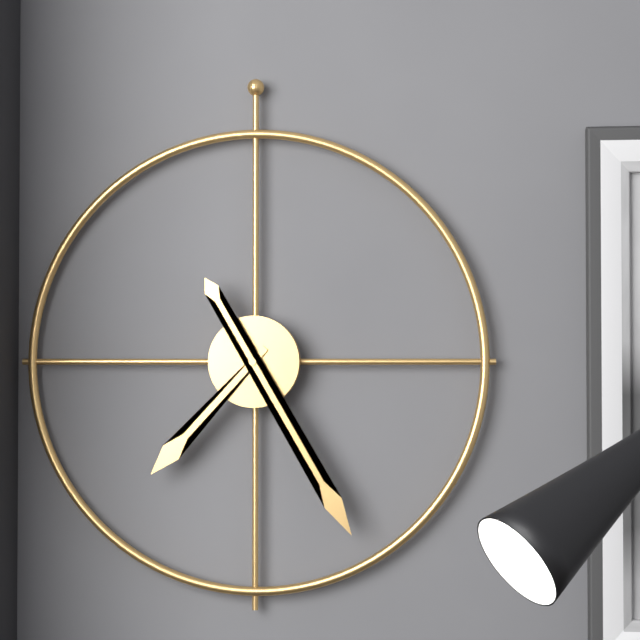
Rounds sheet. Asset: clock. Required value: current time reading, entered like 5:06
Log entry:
7:25
